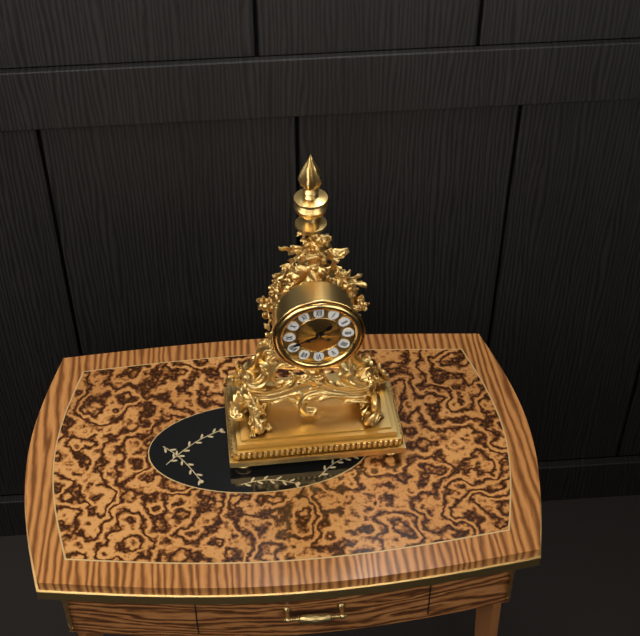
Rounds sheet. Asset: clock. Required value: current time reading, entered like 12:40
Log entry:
1:41
